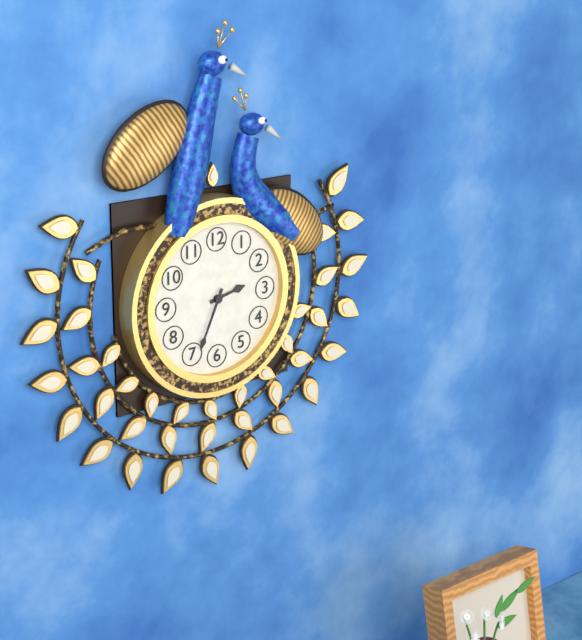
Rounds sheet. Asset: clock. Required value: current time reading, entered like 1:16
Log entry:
2:34
